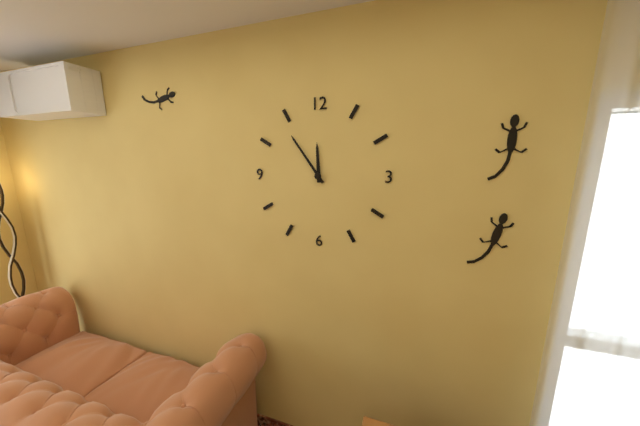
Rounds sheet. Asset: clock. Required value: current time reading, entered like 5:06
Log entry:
11:54
